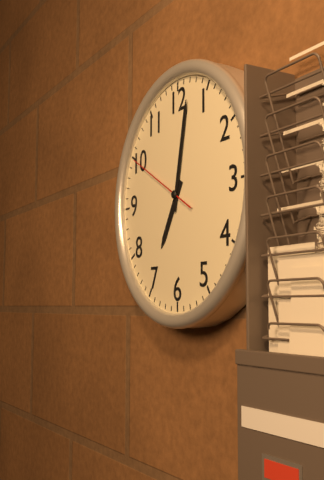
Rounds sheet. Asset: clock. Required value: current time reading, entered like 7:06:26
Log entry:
7:02:50
